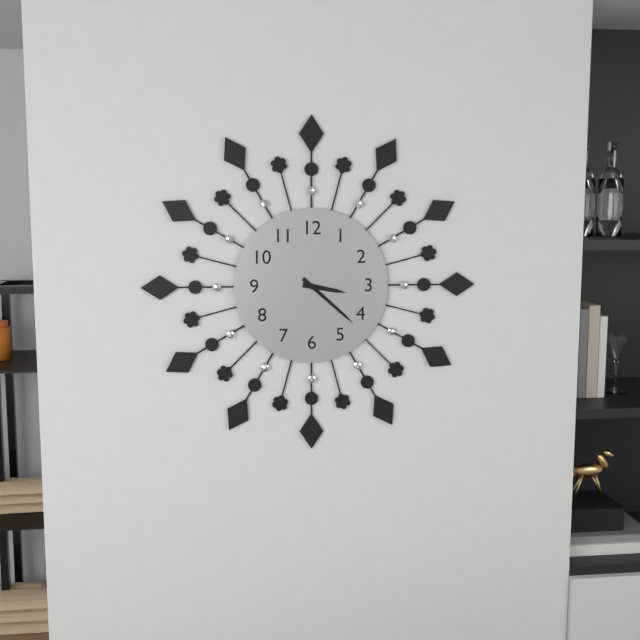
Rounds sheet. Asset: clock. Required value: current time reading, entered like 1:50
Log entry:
3:22
